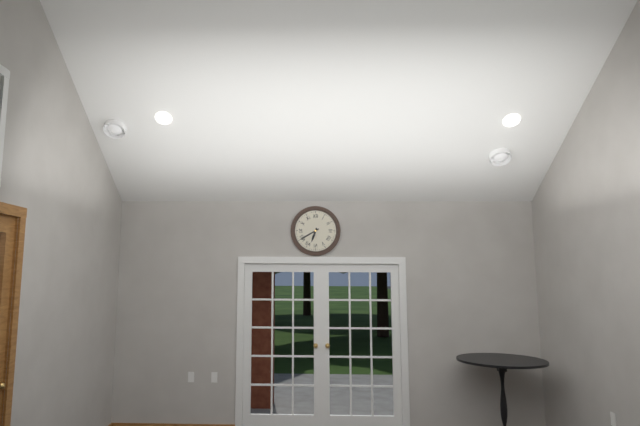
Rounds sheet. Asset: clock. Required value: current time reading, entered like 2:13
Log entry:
6:40
